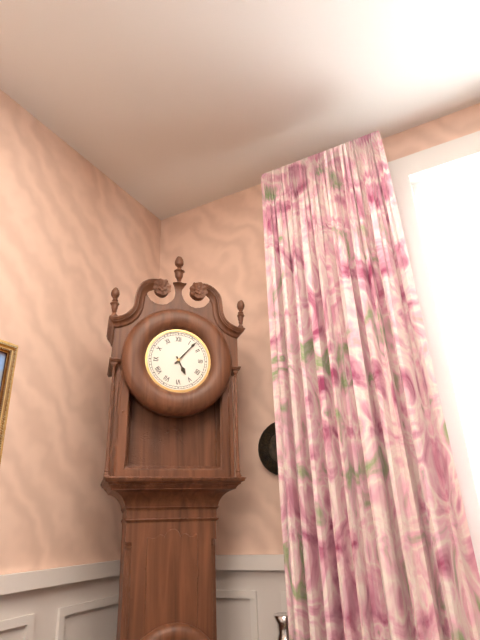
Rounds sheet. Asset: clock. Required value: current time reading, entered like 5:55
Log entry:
5:07
